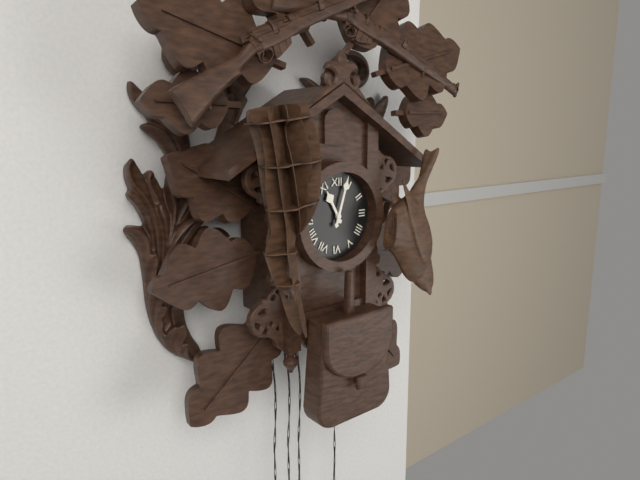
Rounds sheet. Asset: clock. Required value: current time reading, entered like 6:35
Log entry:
11:03
